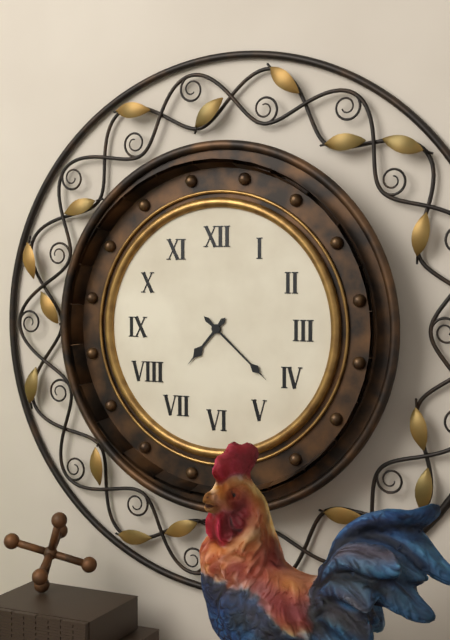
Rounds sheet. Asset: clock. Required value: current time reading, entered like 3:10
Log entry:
7:22
